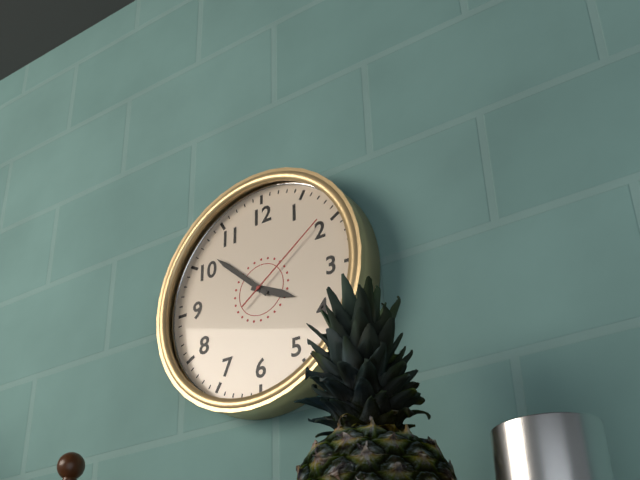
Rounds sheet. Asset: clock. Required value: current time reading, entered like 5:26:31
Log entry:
3:52:09
